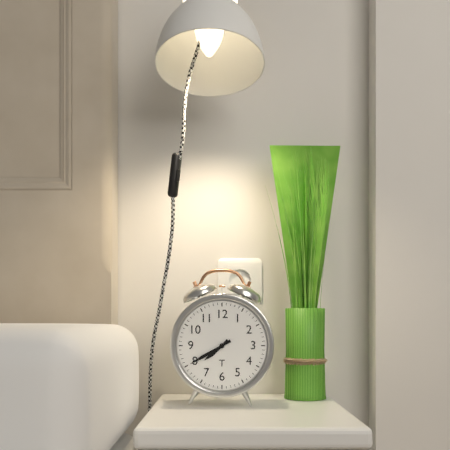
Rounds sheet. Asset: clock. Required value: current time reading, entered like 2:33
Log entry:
7:40
